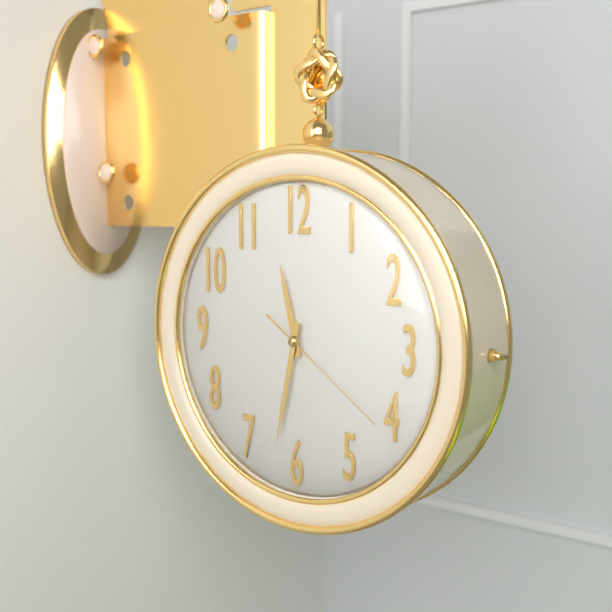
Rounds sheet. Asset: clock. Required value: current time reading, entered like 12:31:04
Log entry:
11:32:21
